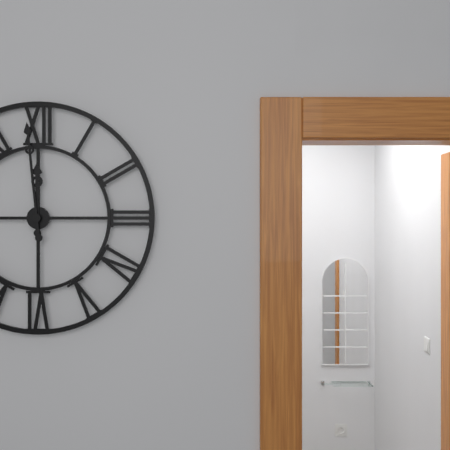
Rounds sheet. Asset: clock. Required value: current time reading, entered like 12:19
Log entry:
11:59
